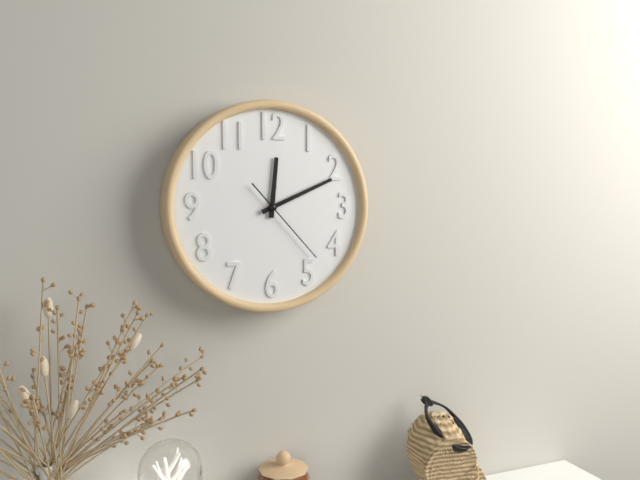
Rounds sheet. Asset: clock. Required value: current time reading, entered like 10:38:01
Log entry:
12:11:23
